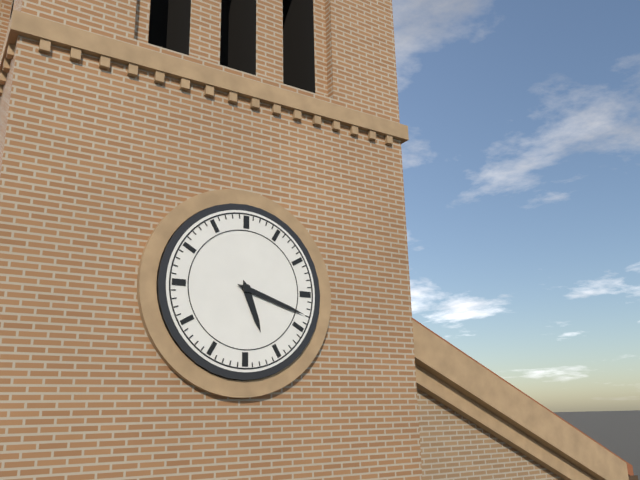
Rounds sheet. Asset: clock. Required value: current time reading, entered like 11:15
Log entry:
5:18
